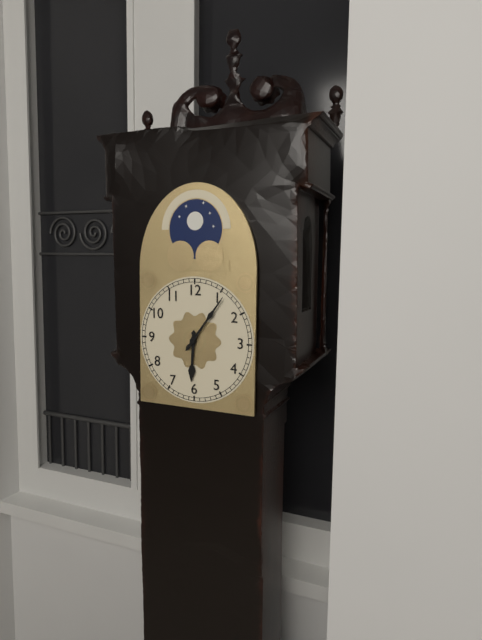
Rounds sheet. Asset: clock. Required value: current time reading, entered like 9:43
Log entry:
6:06
